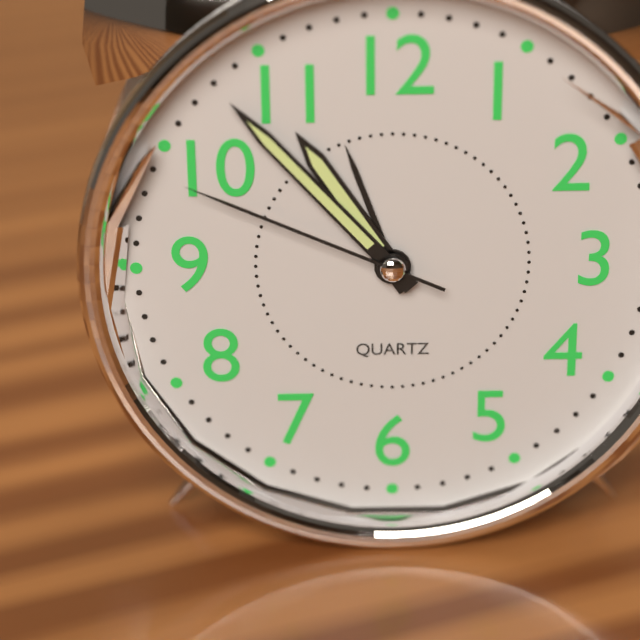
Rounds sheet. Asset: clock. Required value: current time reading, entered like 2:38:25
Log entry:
10:53:49
